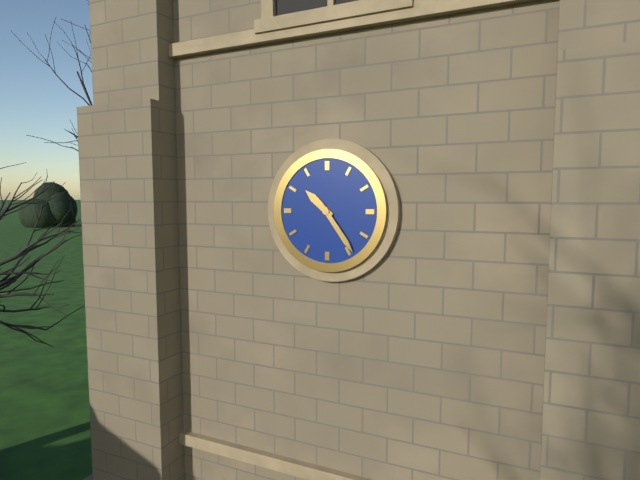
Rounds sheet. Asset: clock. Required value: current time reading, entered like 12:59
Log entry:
10:24
